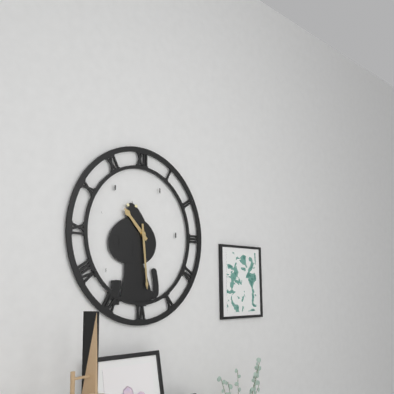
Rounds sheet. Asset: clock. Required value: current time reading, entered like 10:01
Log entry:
10:29
